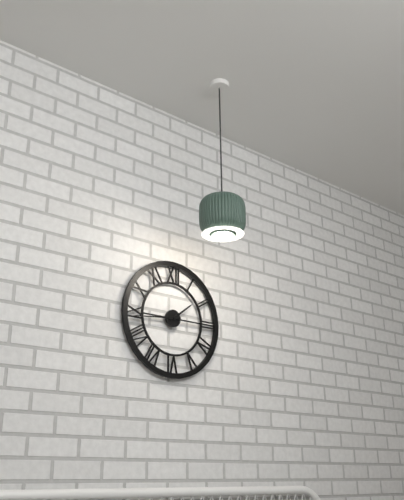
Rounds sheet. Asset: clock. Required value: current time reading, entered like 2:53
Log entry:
1:44
